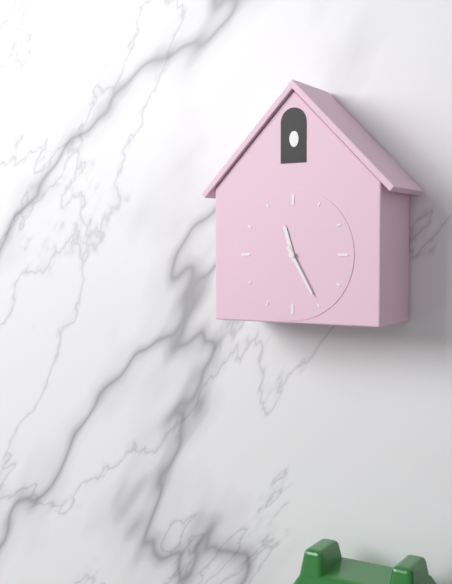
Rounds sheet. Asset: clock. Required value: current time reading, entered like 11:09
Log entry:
11:25
